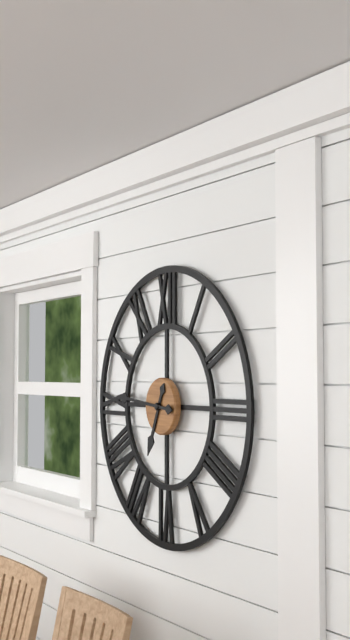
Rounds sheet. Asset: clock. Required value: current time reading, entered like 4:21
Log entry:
6:46
